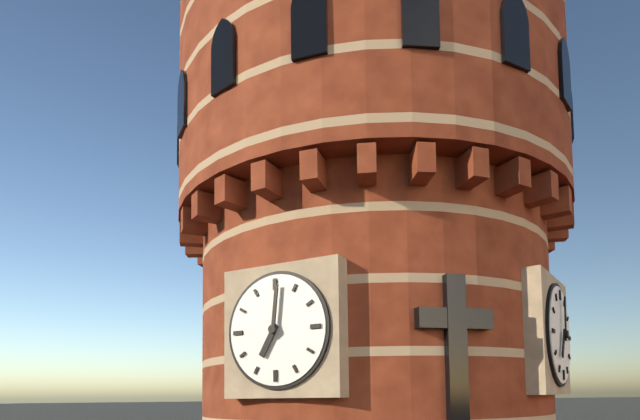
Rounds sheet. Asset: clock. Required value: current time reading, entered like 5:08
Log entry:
7:01
